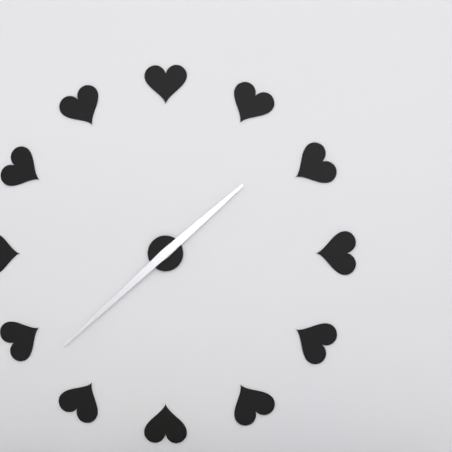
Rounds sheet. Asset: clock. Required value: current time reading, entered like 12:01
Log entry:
1:38
